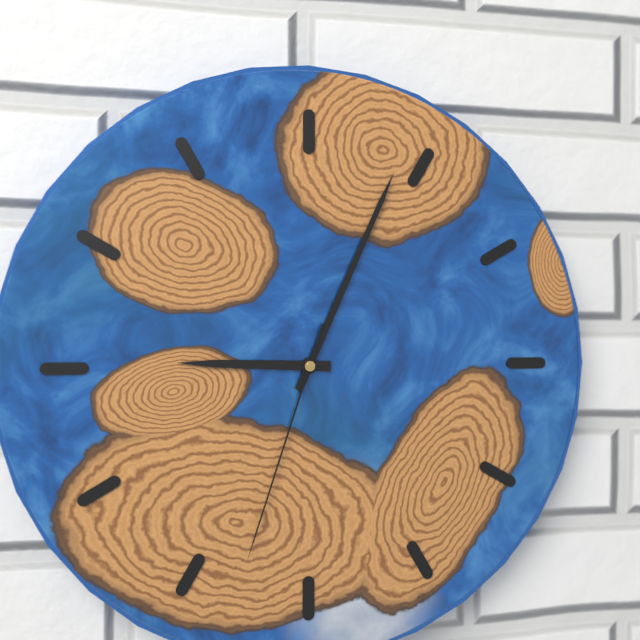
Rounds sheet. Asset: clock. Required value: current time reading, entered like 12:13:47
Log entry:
9:04:33
